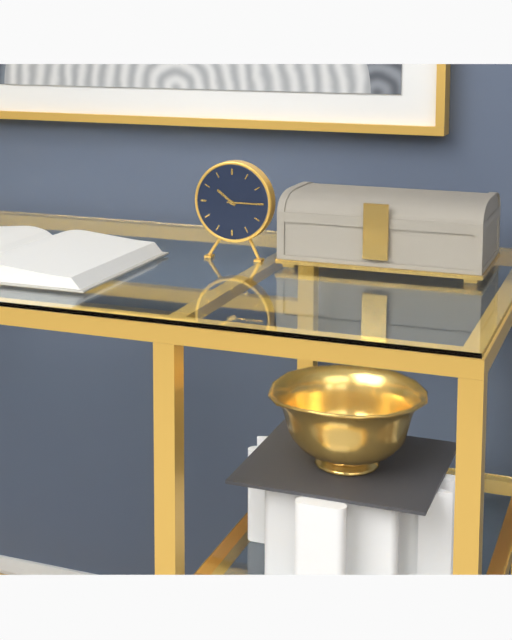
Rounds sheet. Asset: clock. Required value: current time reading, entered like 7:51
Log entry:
10:15
